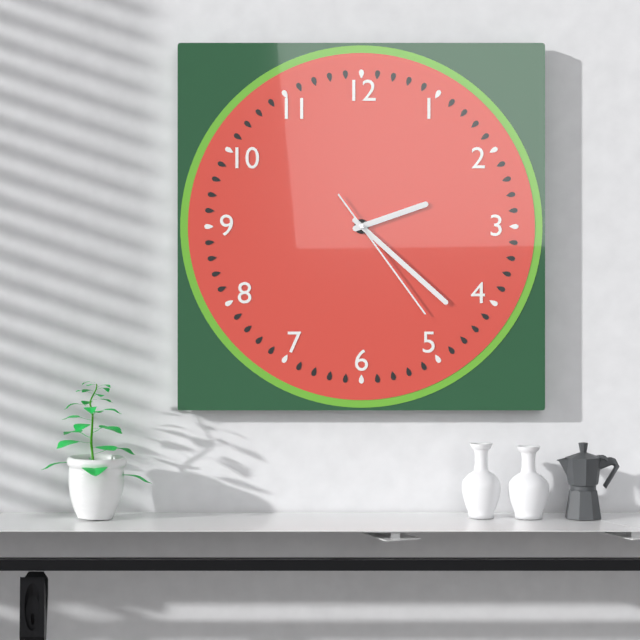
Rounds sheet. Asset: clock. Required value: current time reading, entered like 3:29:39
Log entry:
2:22:24
